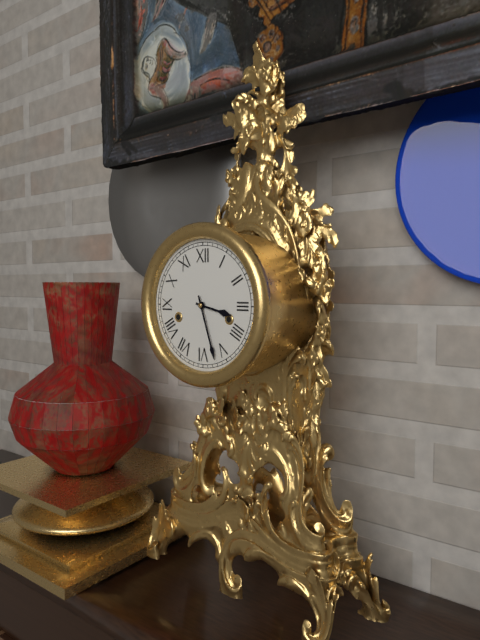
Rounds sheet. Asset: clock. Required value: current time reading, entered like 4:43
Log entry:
3:27
